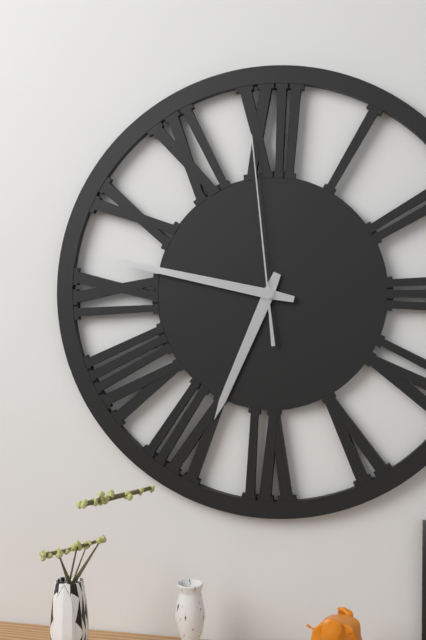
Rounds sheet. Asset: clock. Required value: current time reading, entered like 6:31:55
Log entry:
6:47:59
